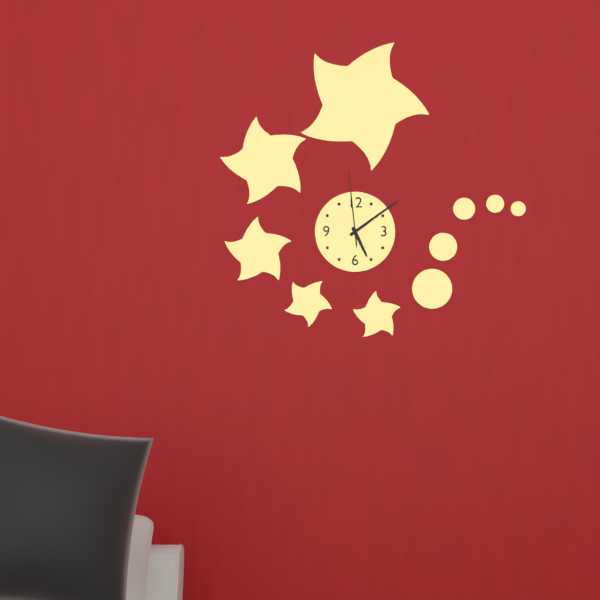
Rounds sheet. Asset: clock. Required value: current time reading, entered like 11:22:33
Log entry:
5:09:59
